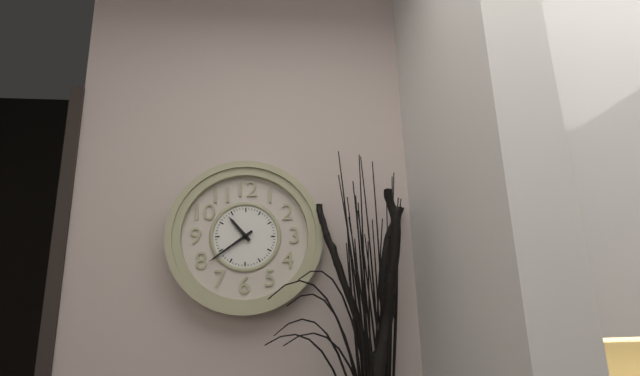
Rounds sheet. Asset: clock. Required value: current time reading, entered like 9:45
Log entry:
10:39
